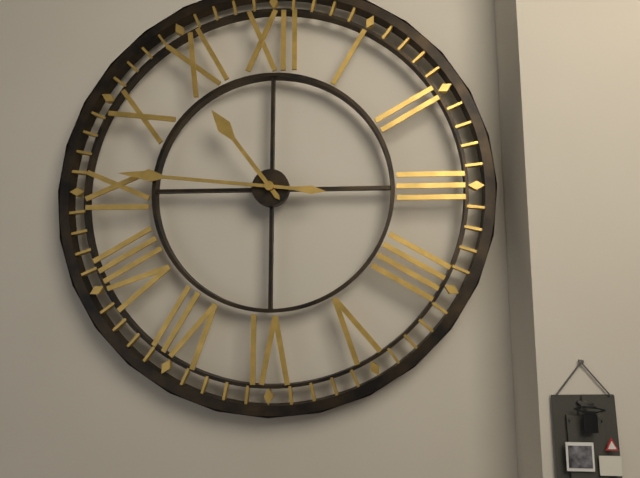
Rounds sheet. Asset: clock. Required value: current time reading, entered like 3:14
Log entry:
10:46
